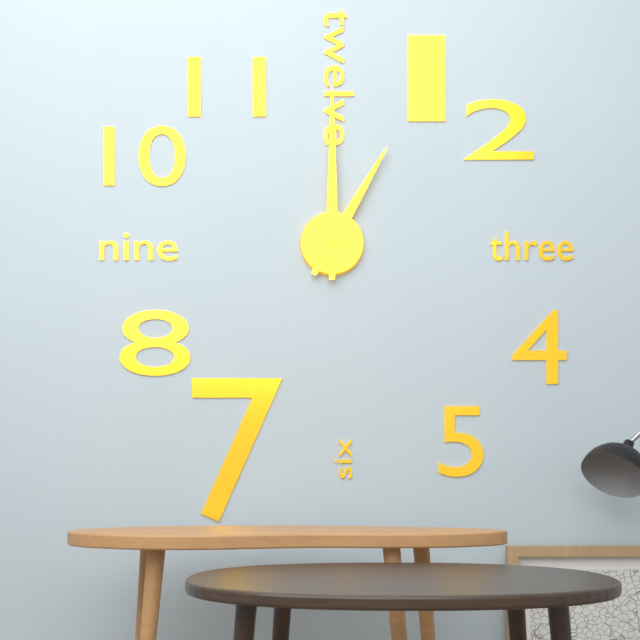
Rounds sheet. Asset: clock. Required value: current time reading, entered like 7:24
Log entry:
1:00
